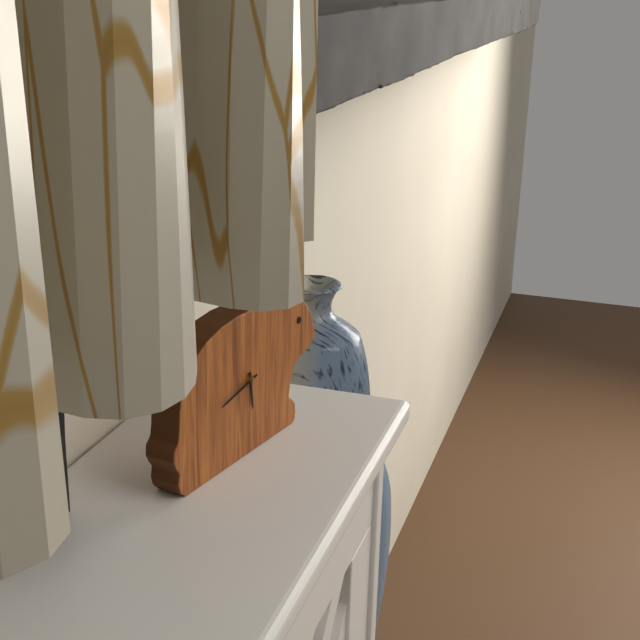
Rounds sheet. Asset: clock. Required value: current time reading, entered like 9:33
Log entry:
5:43
